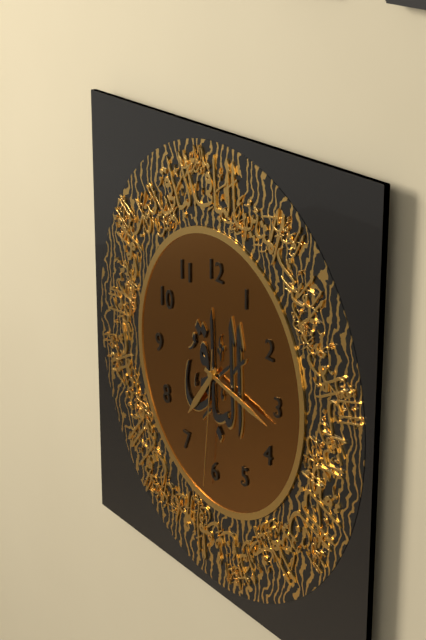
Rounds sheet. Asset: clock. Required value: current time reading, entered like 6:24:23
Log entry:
7:17:31
